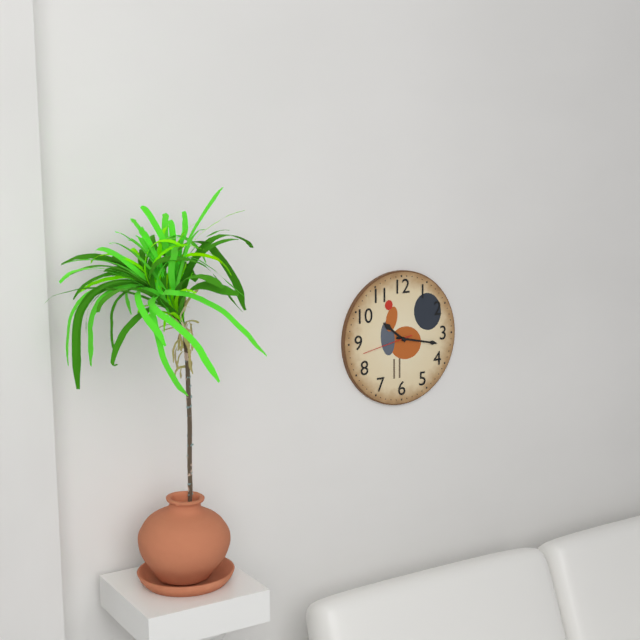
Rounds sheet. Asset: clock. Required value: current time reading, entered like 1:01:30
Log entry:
10:17:43
